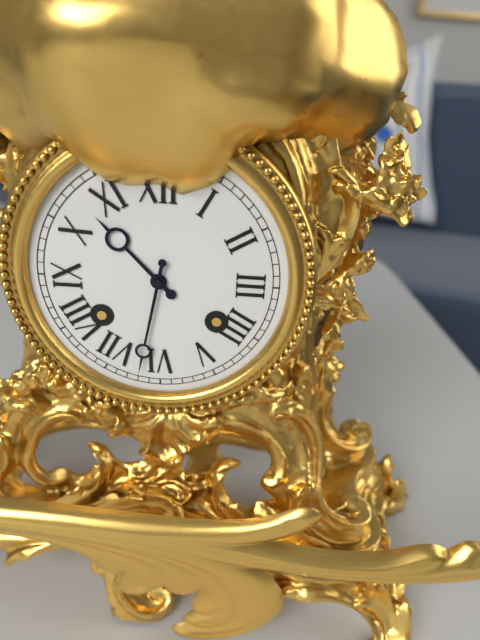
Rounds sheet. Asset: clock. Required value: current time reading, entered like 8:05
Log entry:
10:32
